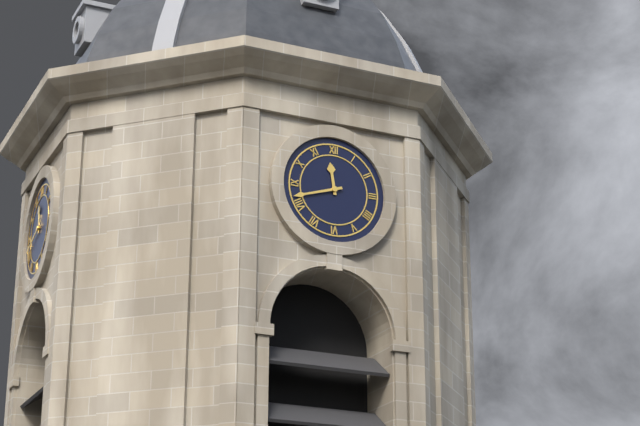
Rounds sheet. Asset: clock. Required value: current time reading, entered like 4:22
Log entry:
11:42
